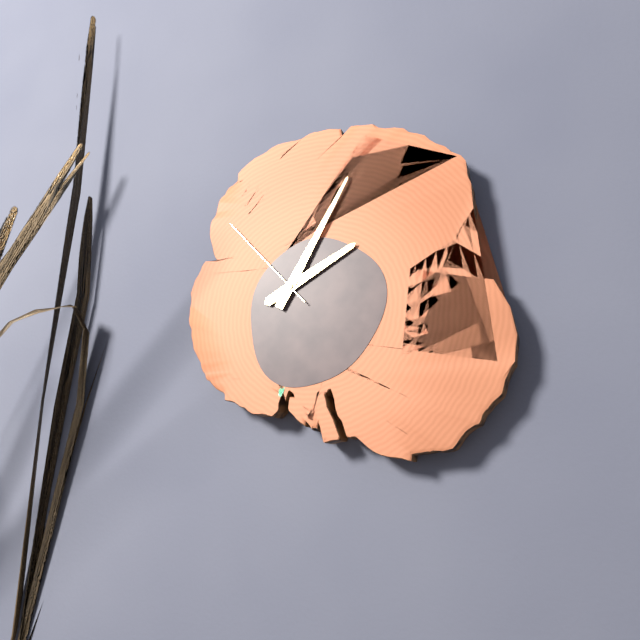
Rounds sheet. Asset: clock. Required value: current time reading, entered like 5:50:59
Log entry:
2:05:53
